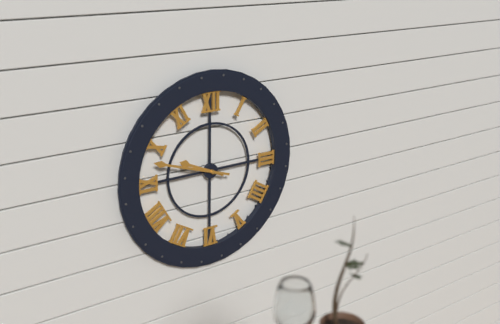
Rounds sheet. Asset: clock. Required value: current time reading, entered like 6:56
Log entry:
9:48
